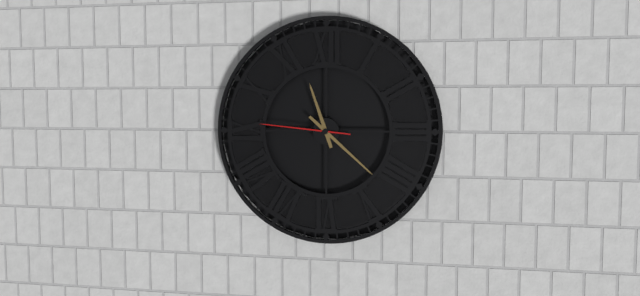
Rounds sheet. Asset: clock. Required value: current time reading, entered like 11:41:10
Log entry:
11:22:46
